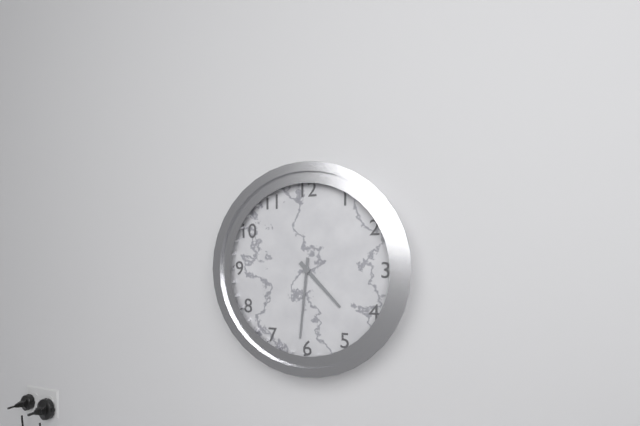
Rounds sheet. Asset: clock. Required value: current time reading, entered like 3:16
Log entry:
4:31
